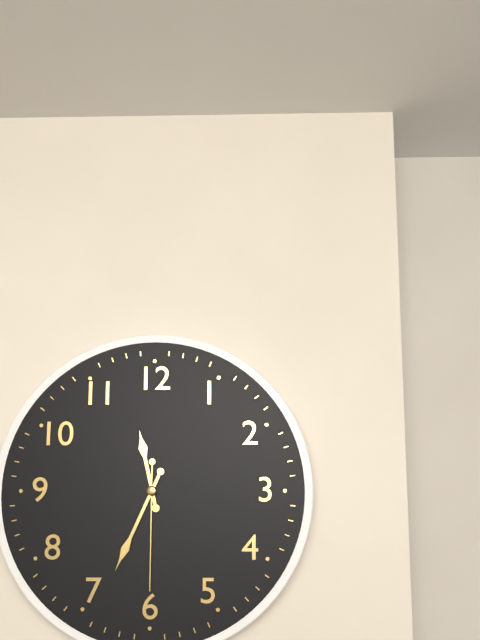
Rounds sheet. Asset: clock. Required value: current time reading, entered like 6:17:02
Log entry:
11:34:30
